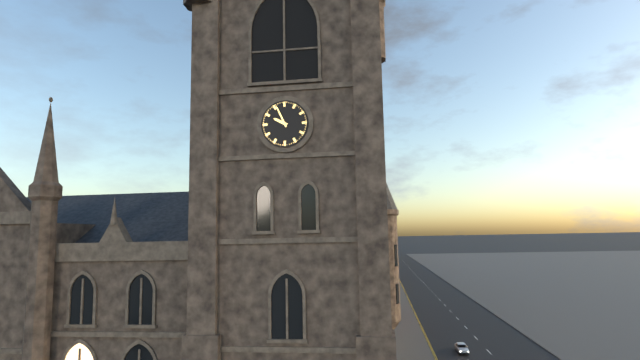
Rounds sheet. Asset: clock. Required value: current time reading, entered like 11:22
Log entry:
9:56
